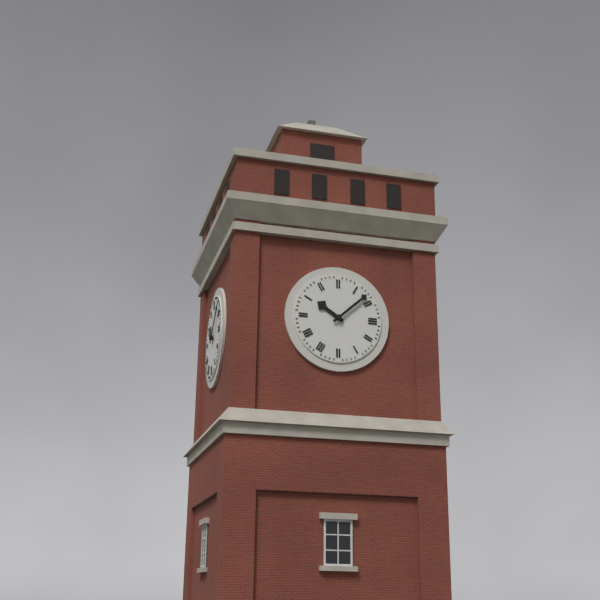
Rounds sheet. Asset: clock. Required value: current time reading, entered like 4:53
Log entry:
10:08
